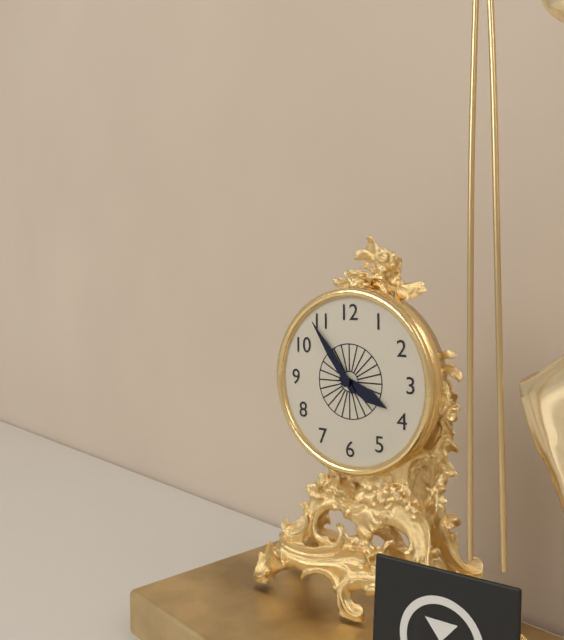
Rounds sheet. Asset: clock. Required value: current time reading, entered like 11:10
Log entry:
3:54
